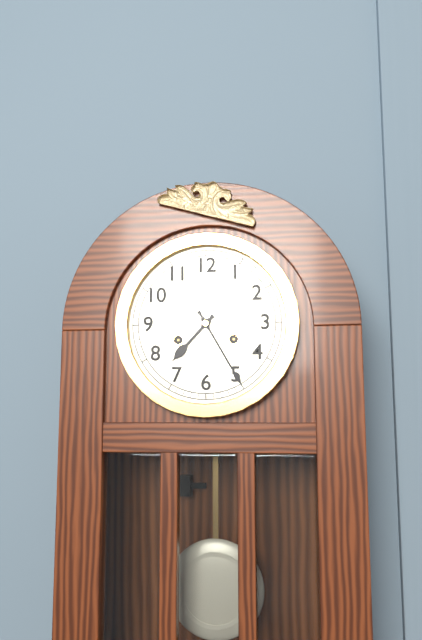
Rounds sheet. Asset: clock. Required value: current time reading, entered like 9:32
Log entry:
7:25
